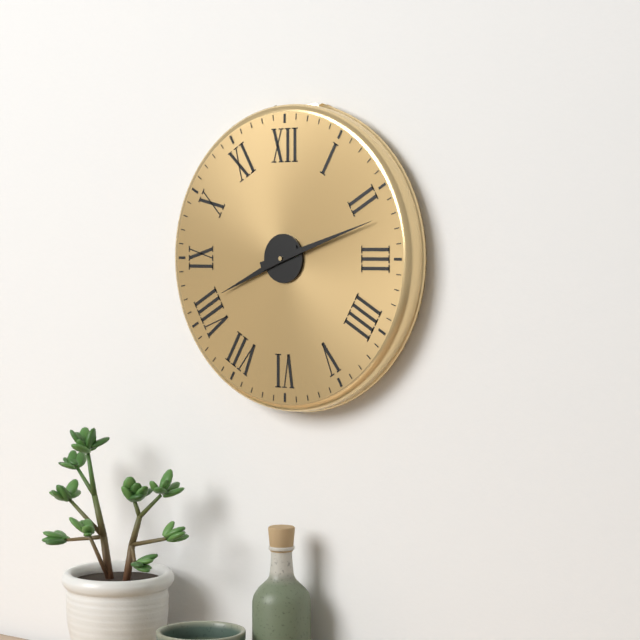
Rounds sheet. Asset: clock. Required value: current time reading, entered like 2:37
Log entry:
8:12
